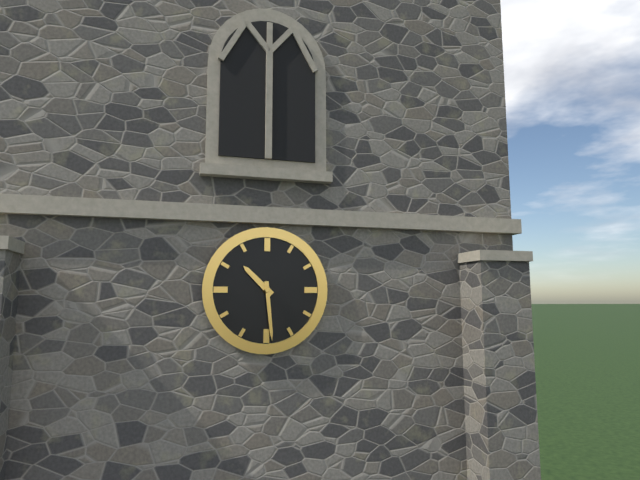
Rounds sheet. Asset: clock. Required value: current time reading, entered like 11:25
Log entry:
10:29
